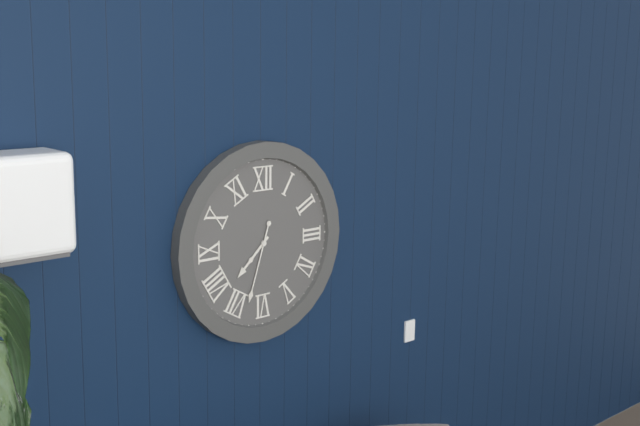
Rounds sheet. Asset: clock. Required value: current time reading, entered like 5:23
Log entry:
7:33
